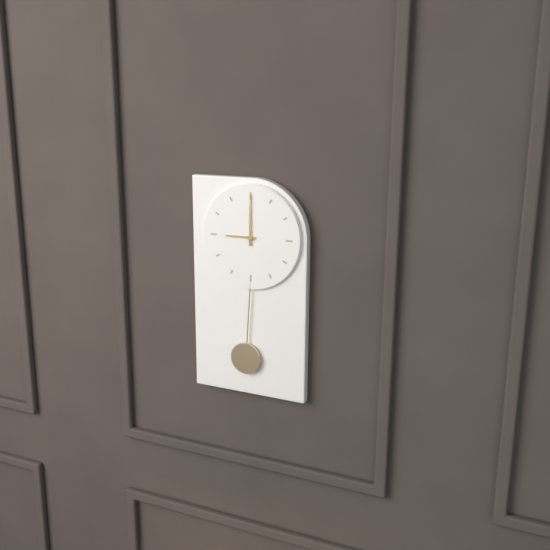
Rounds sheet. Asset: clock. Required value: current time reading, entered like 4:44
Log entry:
9:00
